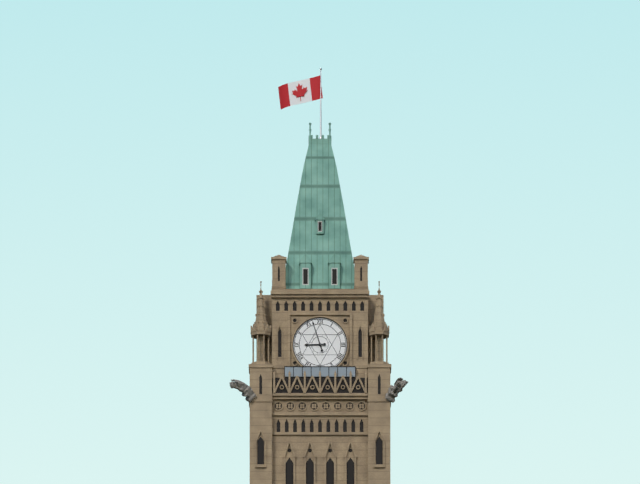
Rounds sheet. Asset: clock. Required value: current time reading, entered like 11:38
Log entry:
8:57
